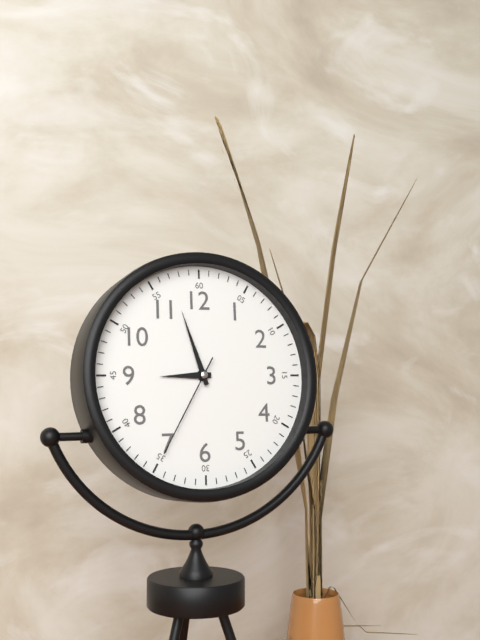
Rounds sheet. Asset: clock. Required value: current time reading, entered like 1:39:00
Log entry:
8:57:35
